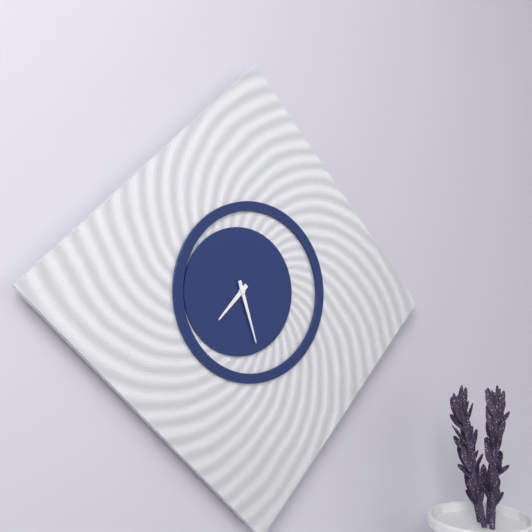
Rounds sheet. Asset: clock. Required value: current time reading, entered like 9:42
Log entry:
7:27
